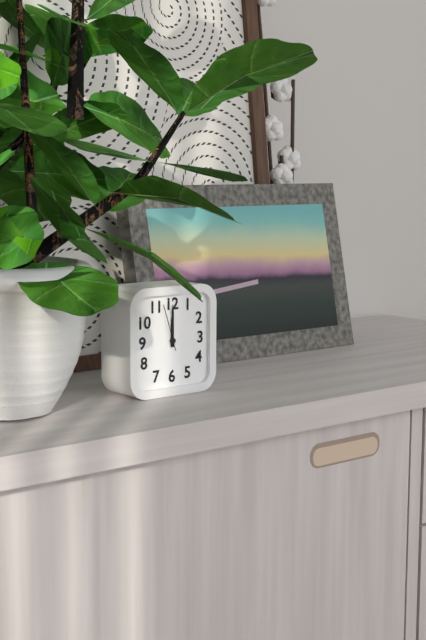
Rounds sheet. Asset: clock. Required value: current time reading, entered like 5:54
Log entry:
12:00
